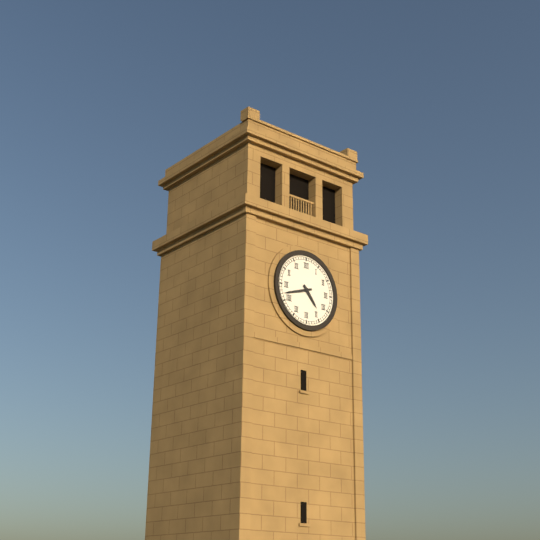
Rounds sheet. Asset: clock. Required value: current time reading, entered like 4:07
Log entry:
4:42
